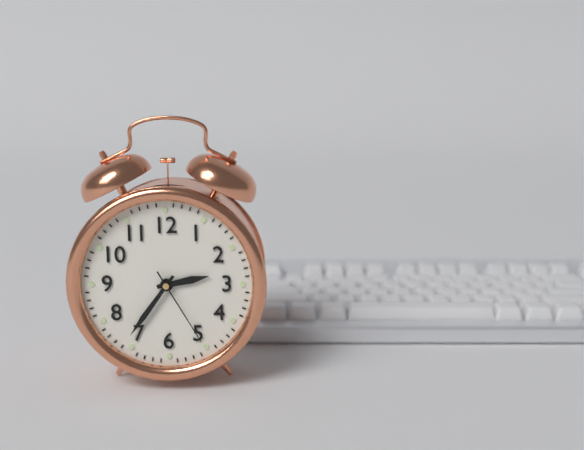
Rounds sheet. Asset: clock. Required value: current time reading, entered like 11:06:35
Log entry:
2:36:25
